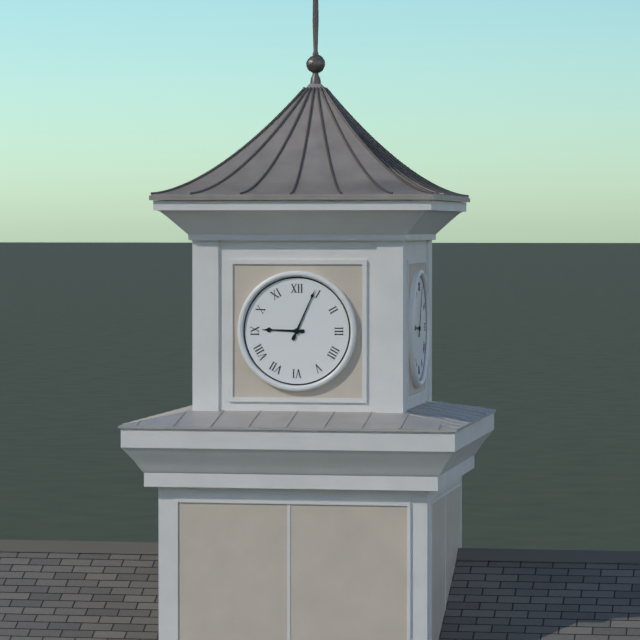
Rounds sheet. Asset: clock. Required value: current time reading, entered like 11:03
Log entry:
9:04
